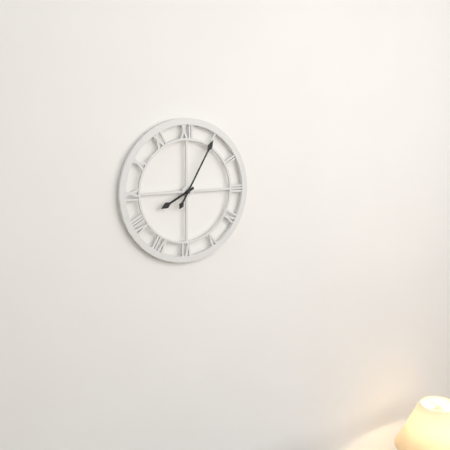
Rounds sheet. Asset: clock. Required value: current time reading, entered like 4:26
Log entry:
8:05
